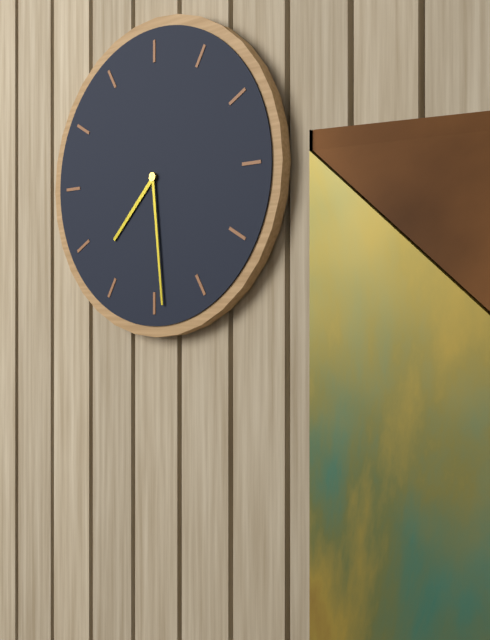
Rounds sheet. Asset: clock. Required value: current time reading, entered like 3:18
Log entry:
7:29
